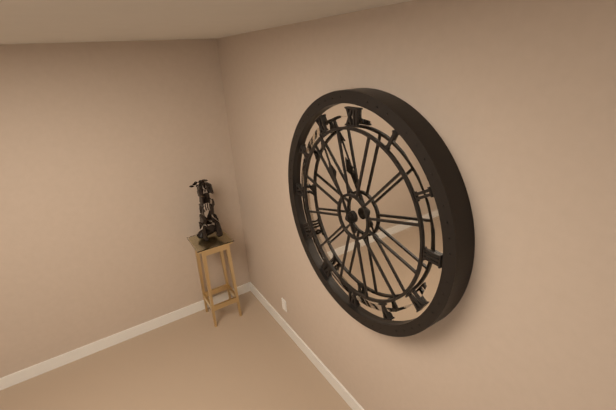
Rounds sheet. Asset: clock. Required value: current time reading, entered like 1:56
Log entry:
10:55
